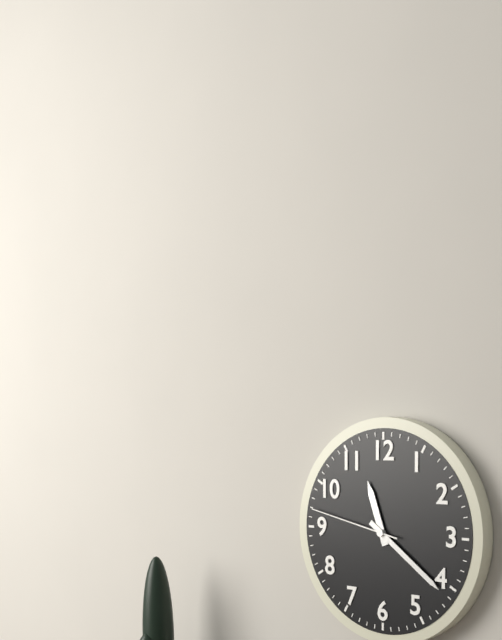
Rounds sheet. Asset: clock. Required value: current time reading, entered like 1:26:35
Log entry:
11:21:47
